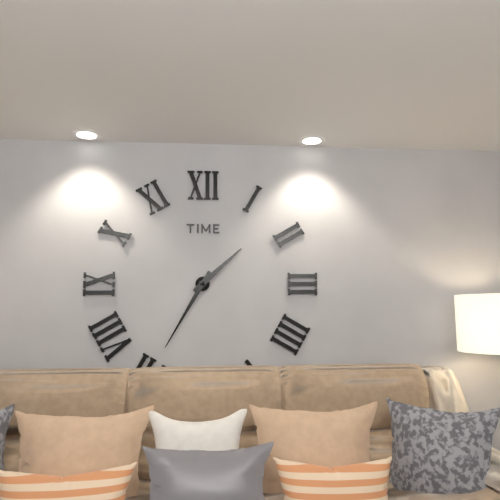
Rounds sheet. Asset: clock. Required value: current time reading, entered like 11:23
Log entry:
1:35
